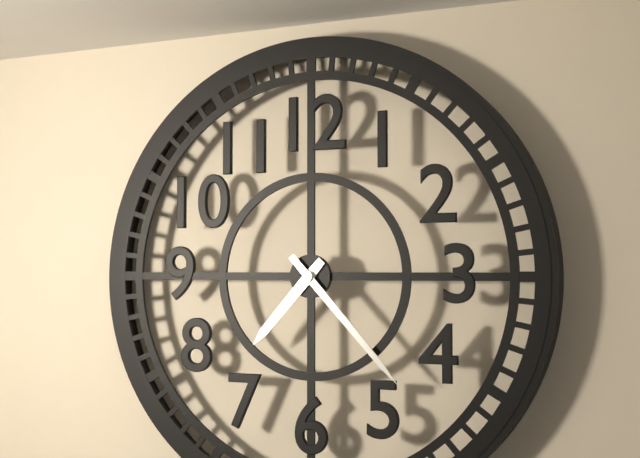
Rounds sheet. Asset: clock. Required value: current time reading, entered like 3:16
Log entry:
7:23
